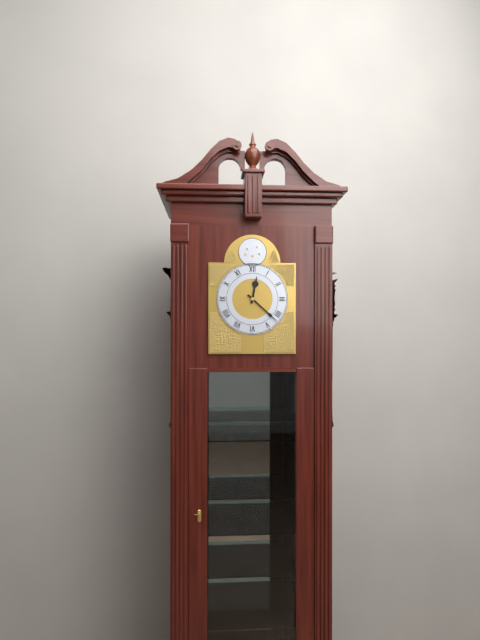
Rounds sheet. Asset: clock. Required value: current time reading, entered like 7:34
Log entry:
12:22
